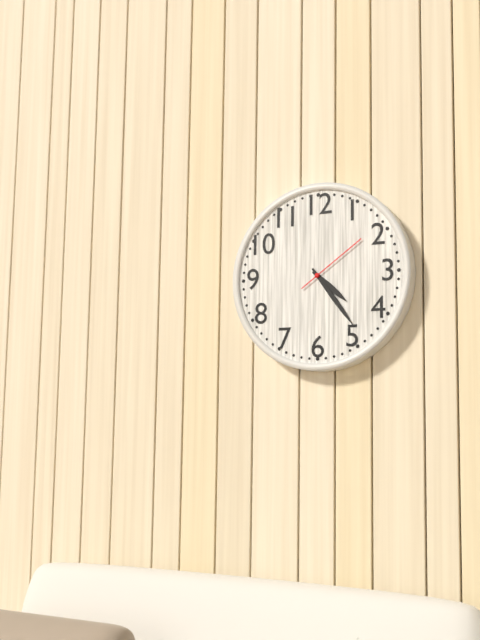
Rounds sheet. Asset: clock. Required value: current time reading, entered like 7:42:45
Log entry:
4:24:09
